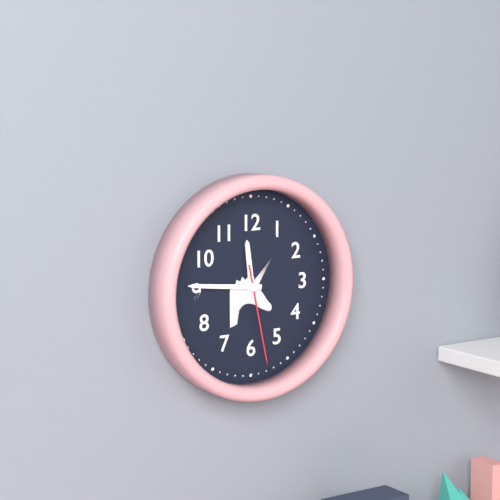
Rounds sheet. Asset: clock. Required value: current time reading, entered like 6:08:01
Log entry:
11:46:28
